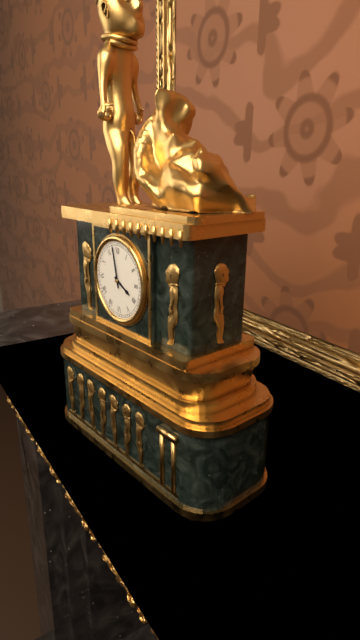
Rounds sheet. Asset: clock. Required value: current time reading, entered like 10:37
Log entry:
3:58
